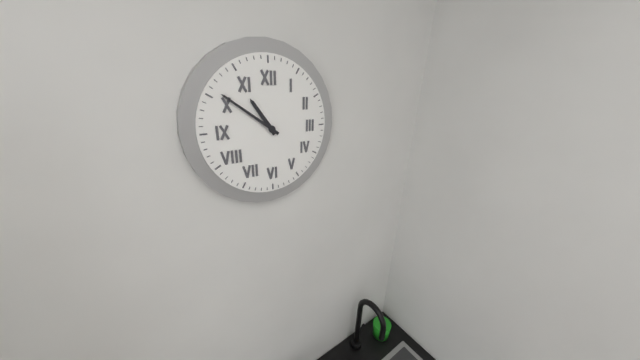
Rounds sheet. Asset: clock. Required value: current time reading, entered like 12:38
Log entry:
10:51
